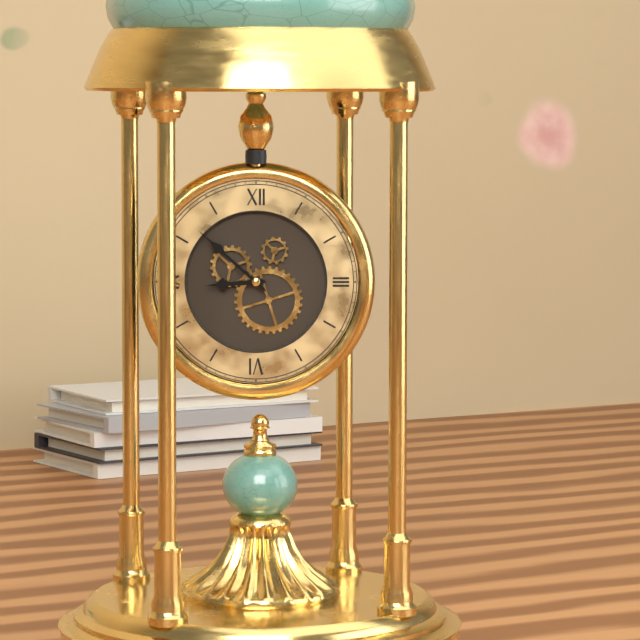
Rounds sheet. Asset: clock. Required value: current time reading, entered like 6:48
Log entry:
8:52
